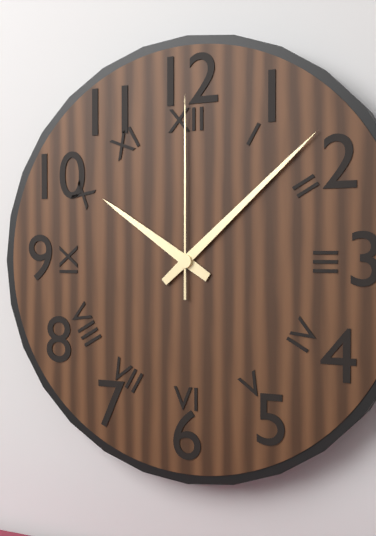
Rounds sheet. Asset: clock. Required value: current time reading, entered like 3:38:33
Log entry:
10:08:00
